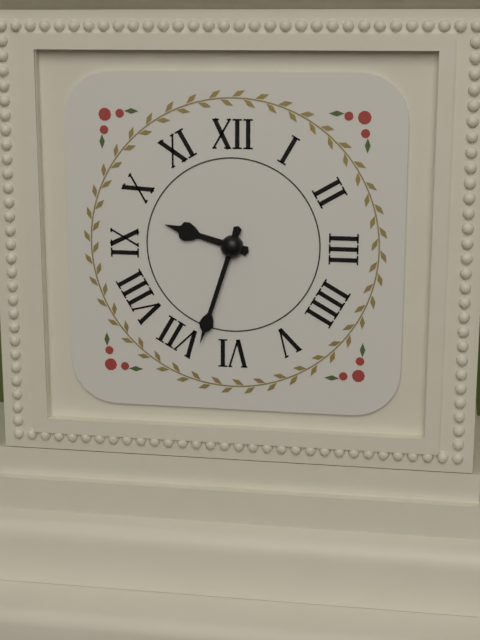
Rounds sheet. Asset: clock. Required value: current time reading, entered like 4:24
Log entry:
9:33
